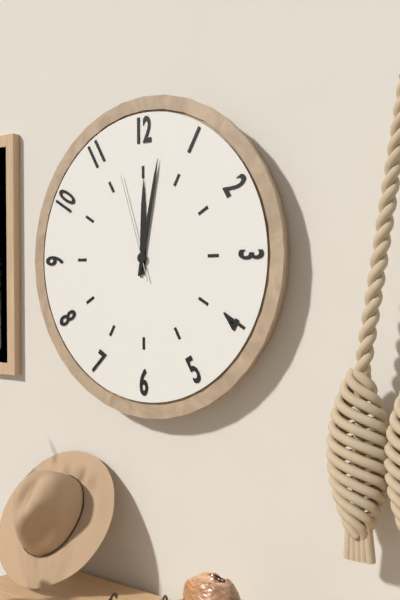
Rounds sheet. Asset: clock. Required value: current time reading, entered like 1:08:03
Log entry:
12:02:57
